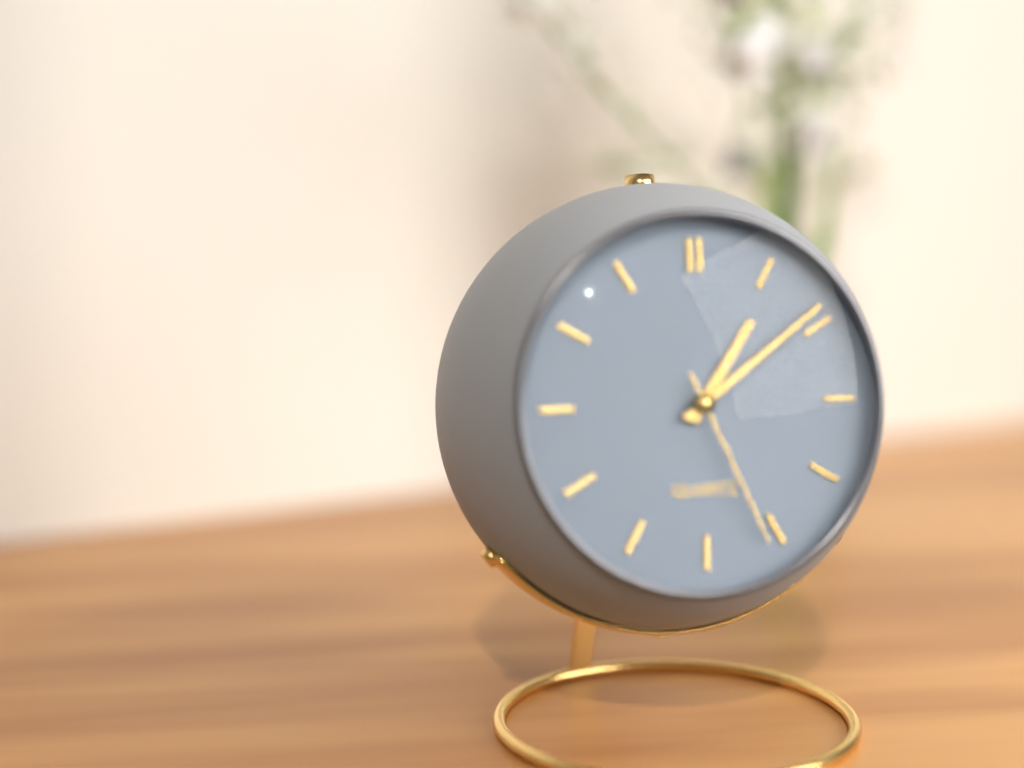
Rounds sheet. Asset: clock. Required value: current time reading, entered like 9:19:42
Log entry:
1:09:26
